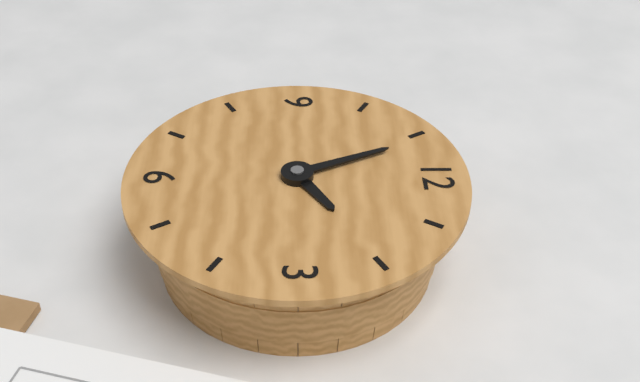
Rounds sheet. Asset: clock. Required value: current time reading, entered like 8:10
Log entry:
1:56
